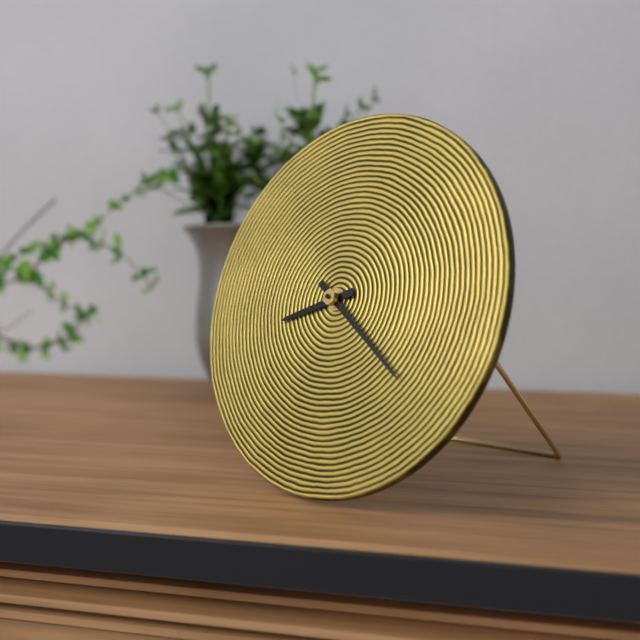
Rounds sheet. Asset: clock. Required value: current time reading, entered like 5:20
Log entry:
8:21
